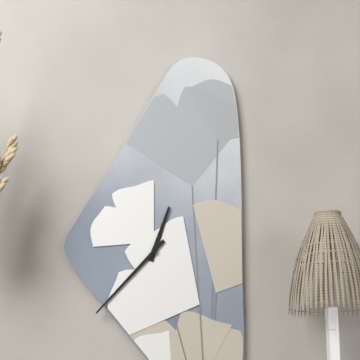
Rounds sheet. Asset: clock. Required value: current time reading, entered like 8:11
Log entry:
12:37
